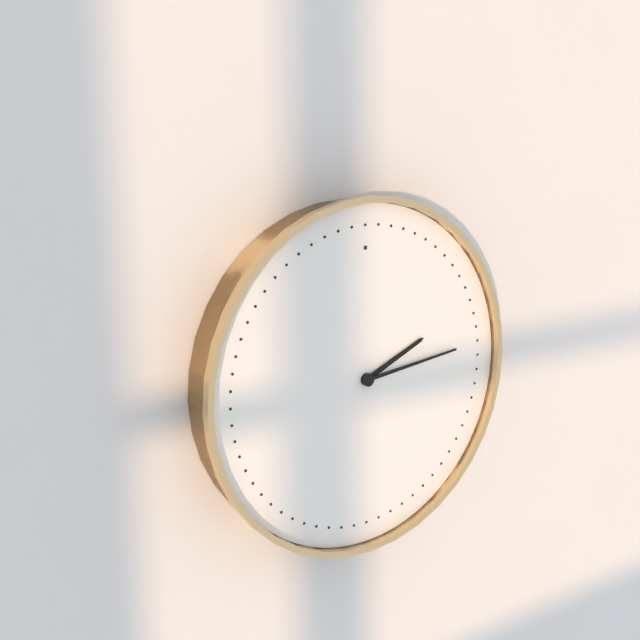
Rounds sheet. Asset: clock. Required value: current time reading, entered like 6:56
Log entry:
2:14
